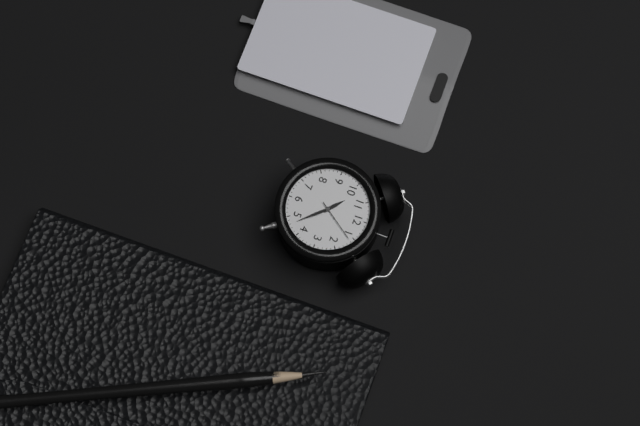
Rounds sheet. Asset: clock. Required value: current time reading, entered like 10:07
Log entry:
10:23
